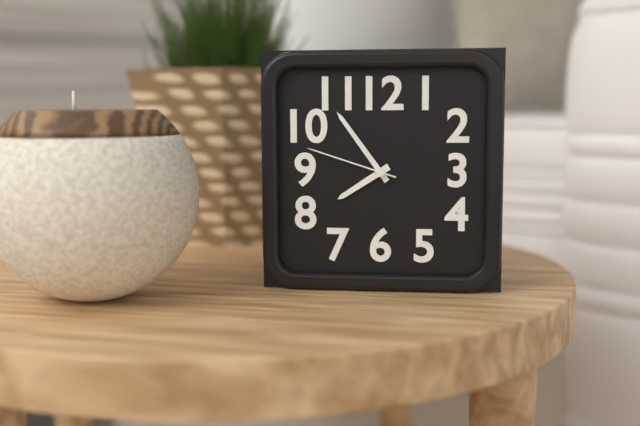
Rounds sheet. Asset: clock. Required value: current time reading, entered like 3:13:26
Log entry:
7:54:48
